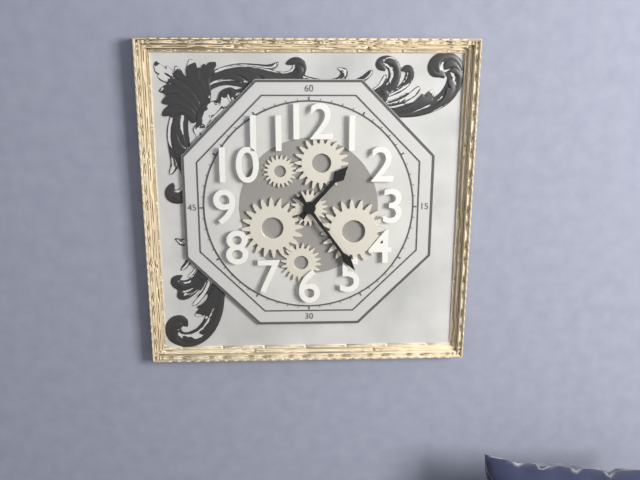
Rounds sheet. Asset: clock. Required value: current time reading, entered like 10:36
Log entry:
1:24
